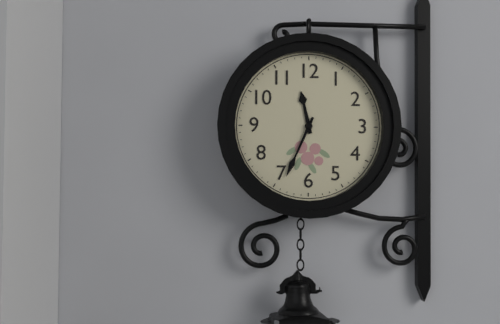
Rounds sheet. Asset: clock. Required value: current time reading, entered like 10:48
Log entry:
11:34
